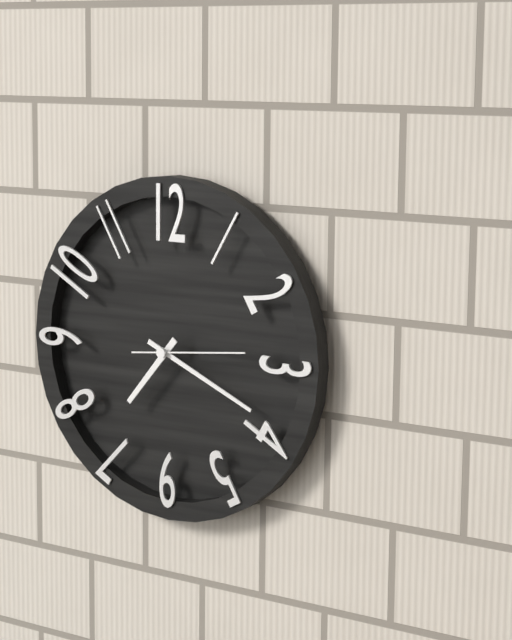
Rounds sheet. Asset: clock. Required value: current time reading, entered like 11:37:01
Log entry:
7:19:14
